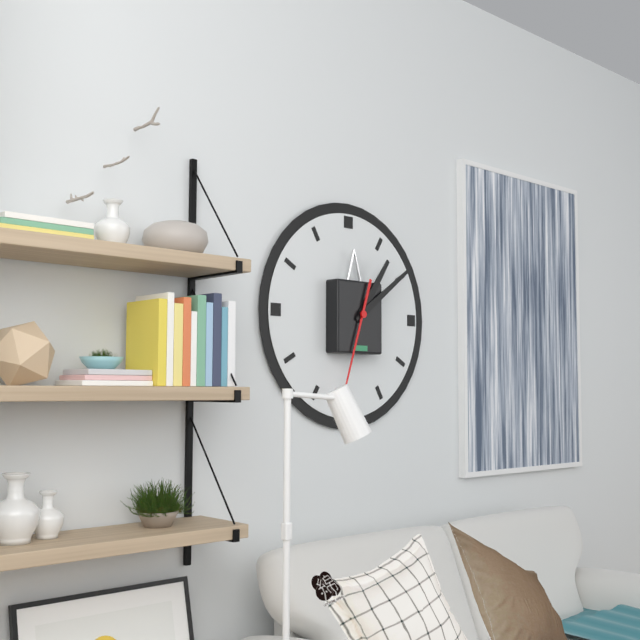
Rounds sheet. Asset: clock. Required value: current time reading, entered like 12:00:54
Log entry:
1:09:33
